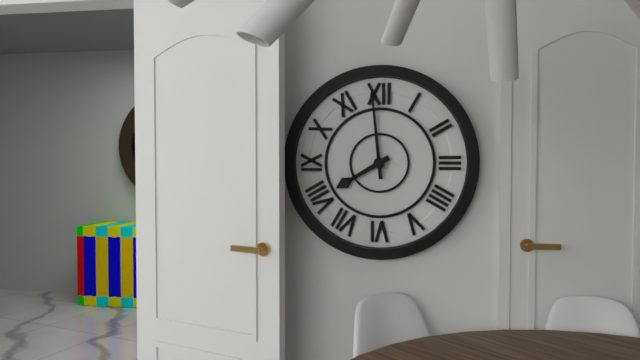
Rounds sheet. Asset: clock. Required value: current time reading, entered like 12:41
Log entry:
7:59
